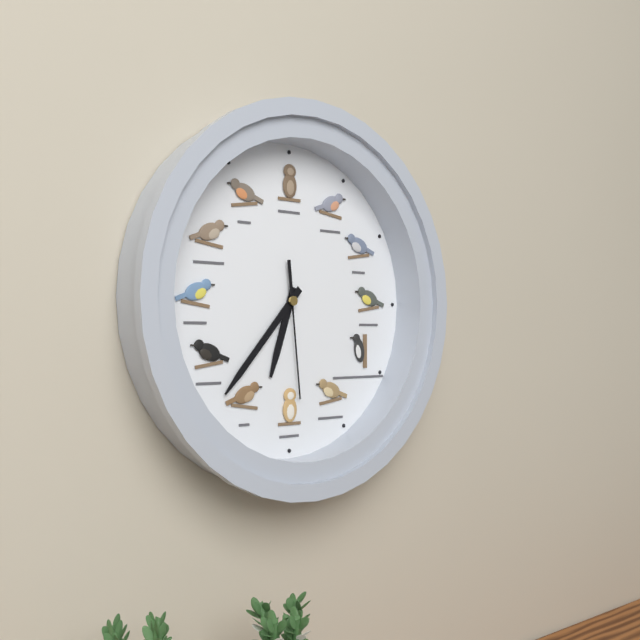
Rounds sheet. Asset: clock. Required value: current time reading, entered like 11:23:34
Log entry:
6:37:29
